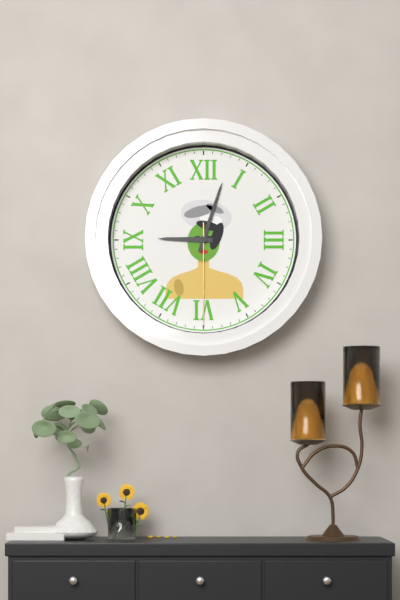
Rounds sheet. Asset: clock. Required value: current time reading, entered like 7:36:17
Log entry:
9:03:30
